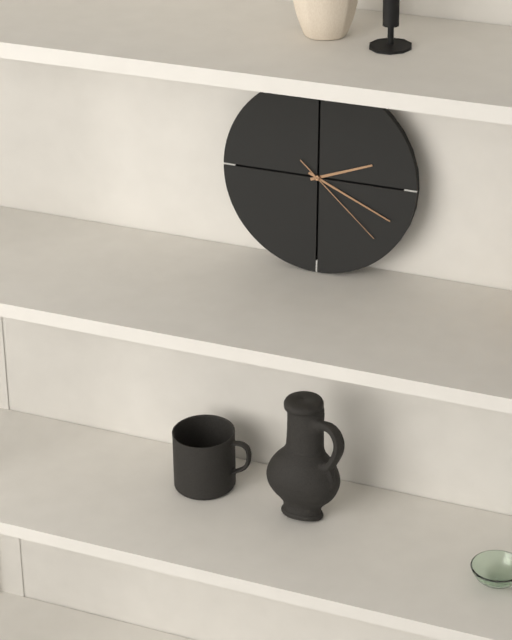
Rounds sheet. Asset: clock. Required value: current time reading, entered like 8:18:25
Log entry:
2:19:22
